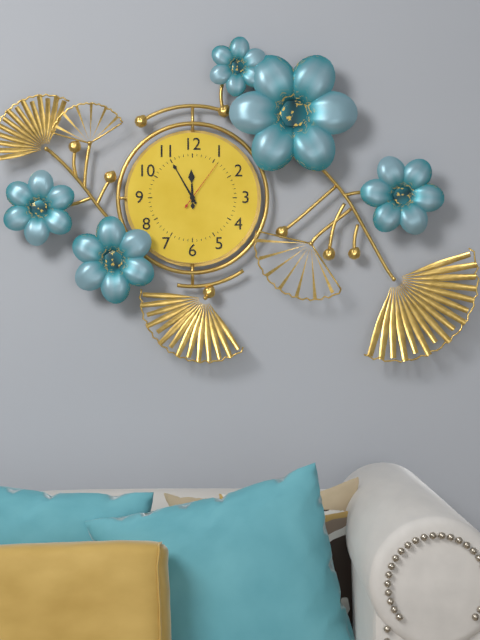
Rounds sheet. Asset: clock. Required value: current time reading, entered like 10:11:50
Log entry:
11:55:06
